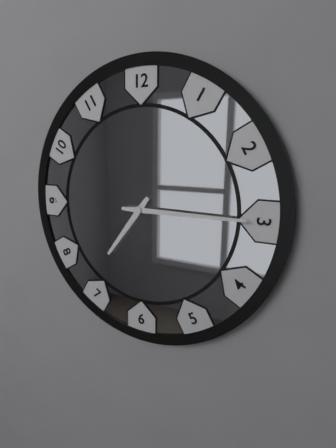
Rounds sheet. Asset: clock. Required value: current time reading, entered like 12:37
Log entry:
7:15
